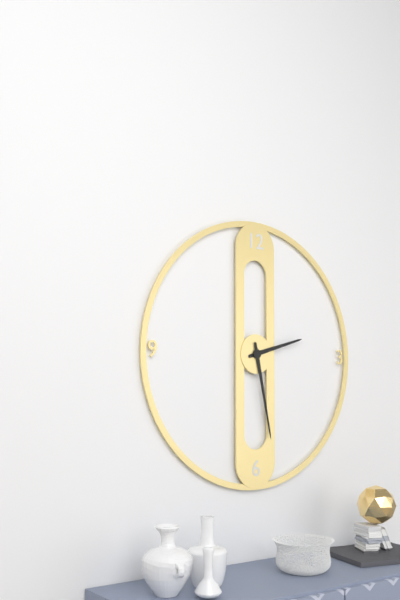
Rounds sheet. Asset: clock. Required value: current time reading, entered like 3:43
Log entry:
2:28
